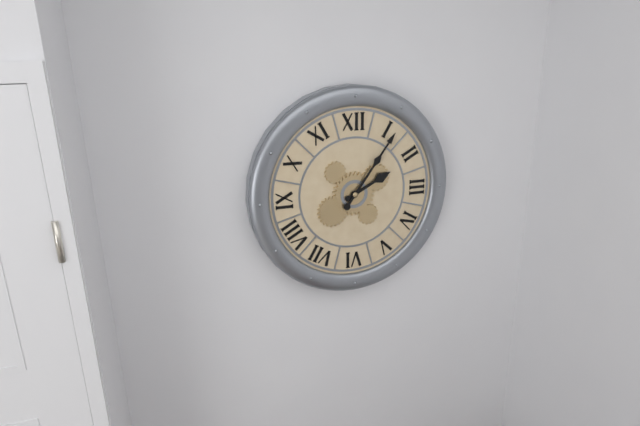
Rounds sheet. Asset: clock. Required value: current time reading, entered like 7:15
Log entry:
2:06
